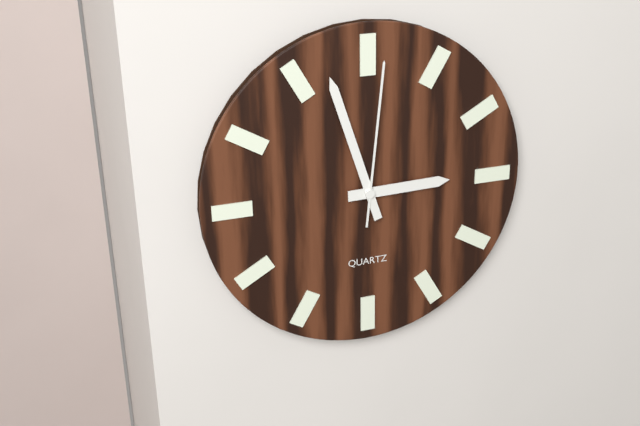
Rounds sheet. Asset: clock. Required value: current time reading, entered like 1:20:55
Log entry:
2:57:01
